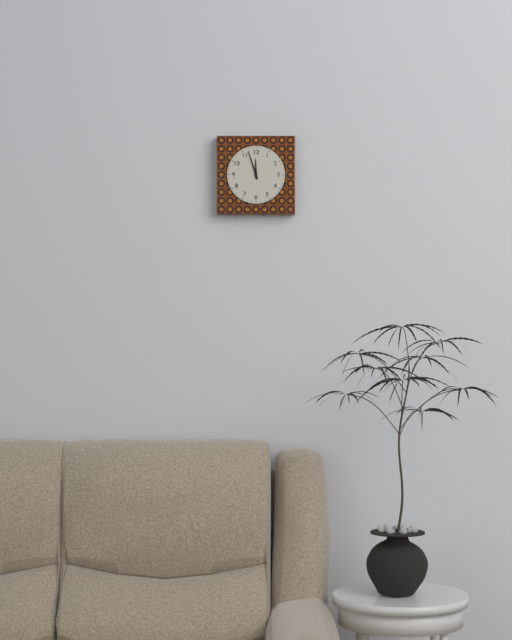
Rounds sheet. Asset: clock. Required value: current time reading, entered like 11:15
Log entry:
11:57
